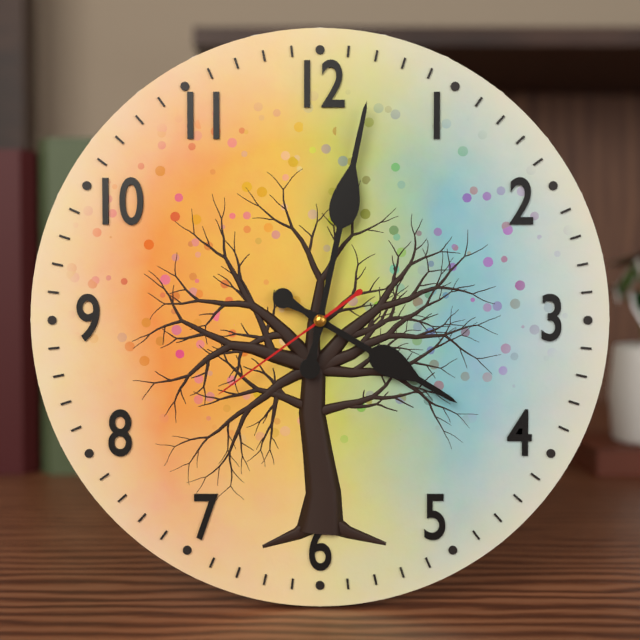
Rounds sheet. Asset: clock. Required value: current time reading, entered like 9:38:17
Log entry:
4:02:39
